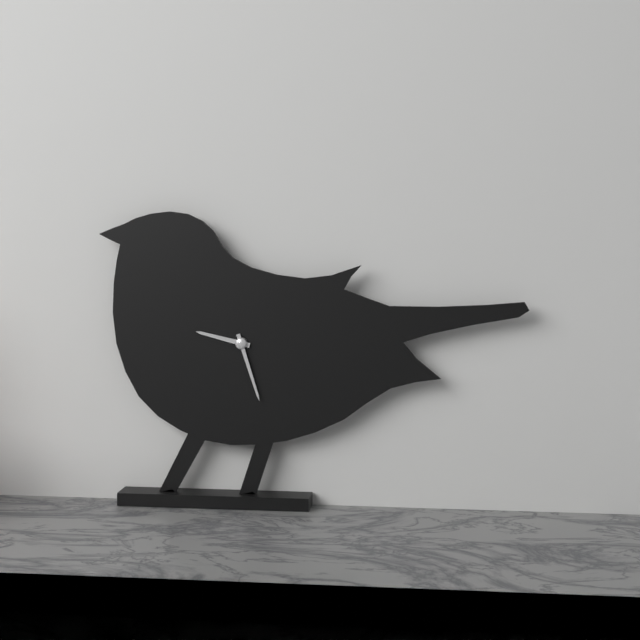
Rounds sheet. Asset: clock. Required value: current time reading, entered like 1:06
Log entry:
9:27
